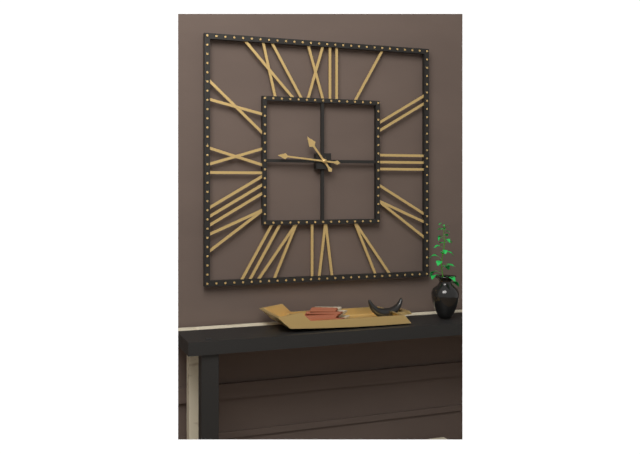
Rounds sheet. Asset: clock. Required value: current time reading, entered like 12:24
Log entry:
10:46
